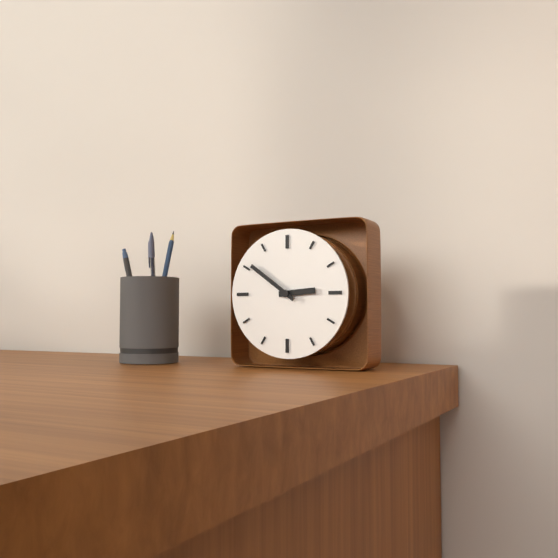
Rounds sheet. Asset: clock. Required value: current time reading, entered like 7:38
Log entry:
2:51
